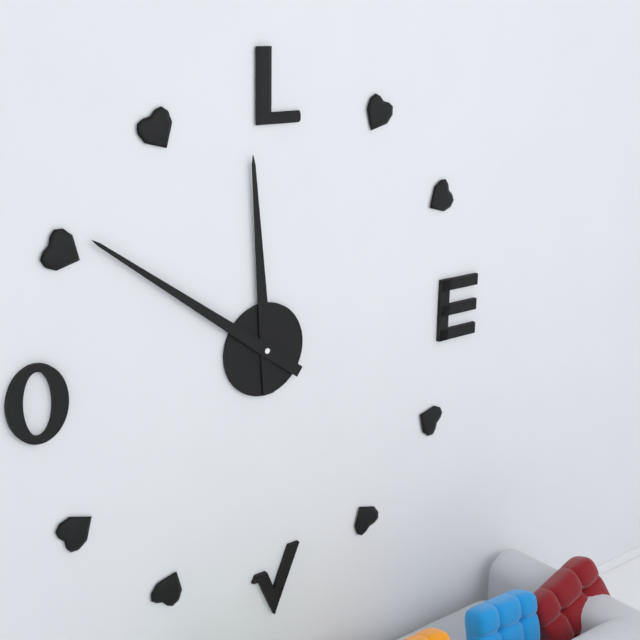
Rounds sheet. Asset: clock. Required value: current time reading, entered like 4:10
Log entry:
11:51
